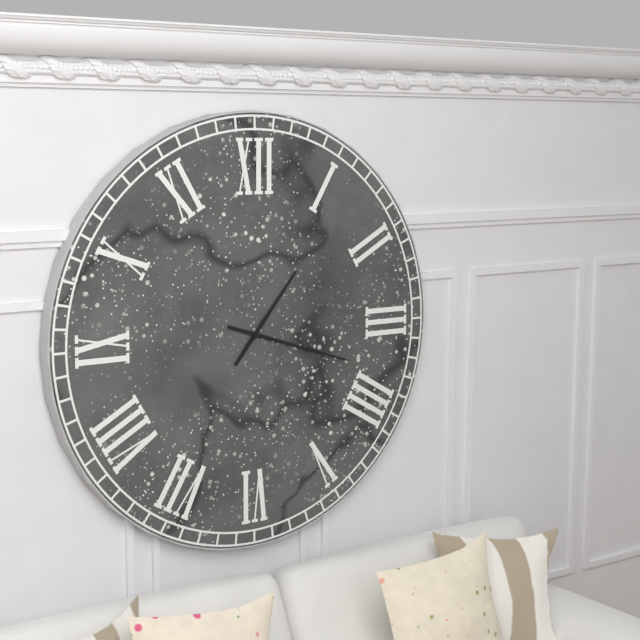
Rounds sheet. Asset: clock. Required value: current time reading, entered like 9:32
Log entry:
1:18
